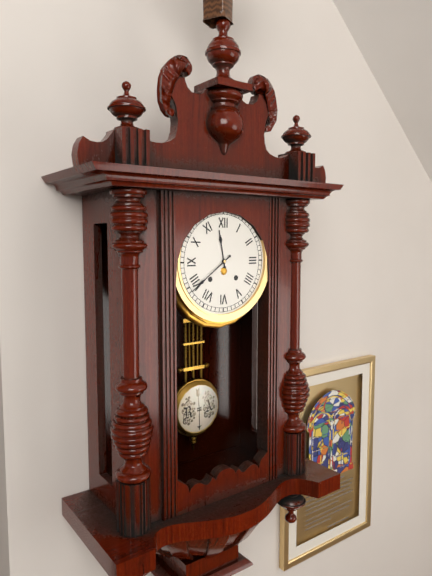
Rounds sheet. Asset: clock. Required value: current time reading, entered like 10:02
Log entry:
11:39
